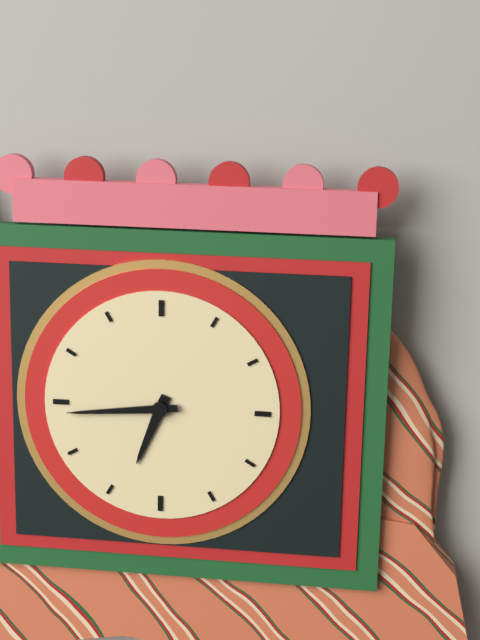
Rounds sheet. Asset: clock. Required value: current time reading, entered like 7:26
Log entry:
6:44
